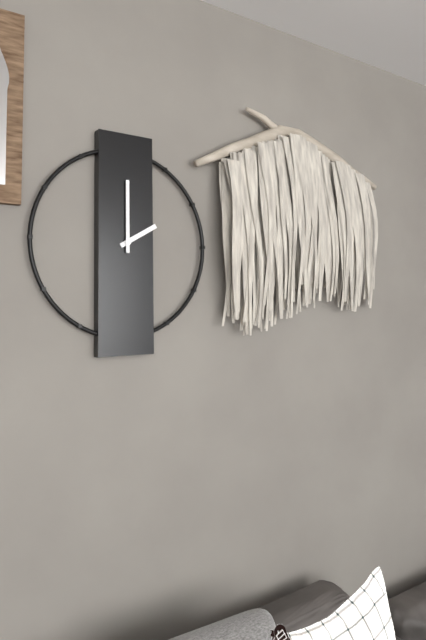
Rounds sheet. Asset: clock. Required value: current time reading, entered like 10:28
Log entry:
2:00
